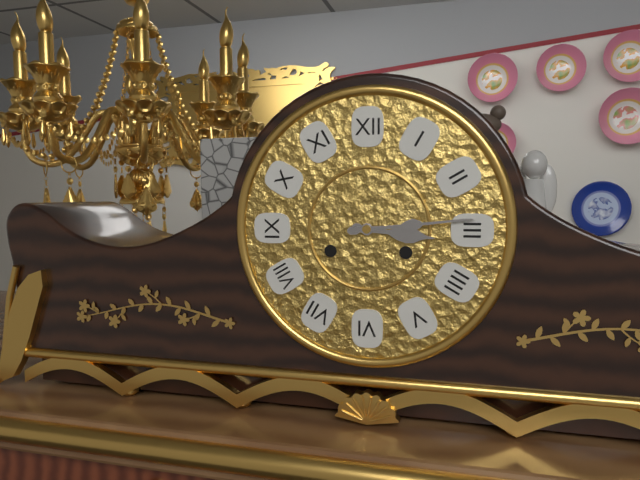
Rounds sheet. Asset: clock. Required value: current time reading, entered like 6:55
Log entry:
3:14
